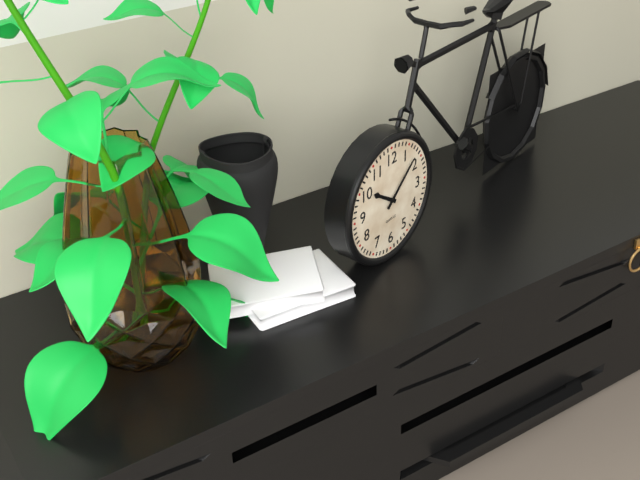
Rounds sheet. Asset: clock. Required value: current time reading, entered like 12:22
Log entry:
10:08
